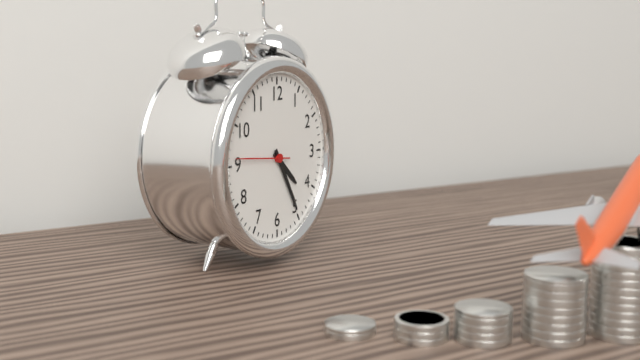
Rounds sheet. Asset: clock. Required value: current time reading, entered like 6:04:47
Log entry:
4:25:46
